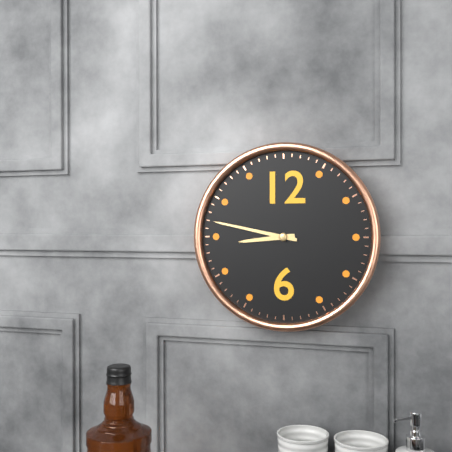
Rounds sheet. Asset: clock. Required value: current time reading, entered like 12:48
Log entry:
8:47
